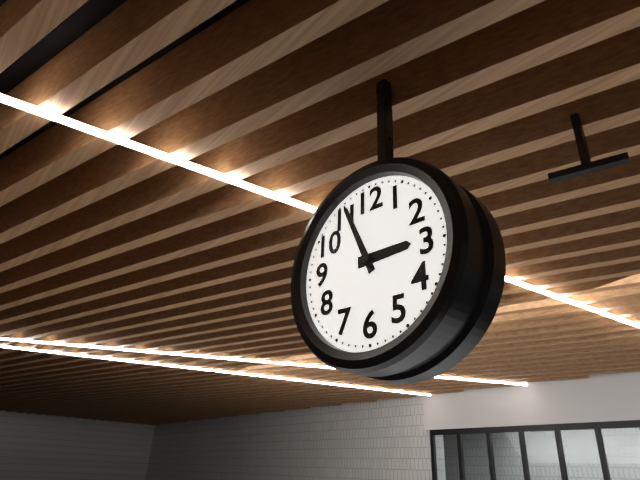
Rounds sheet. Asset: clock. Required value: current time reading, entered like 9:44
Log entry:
2:56
